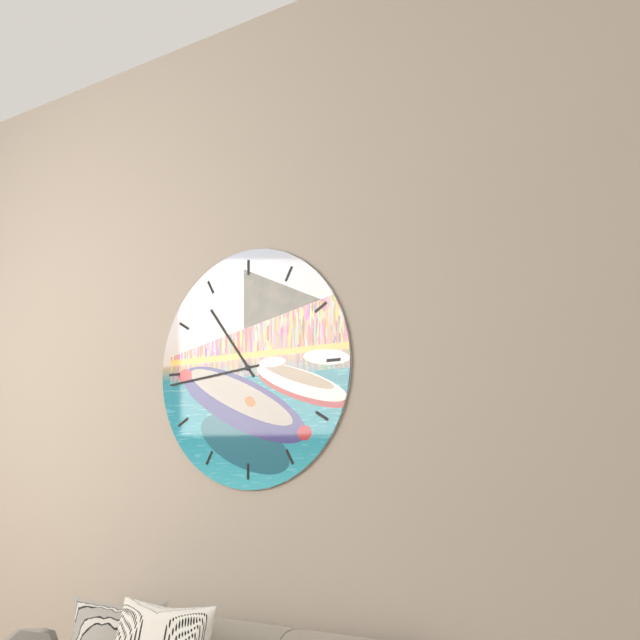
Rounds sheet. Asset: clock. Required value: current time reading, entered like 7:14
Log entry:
10:44
